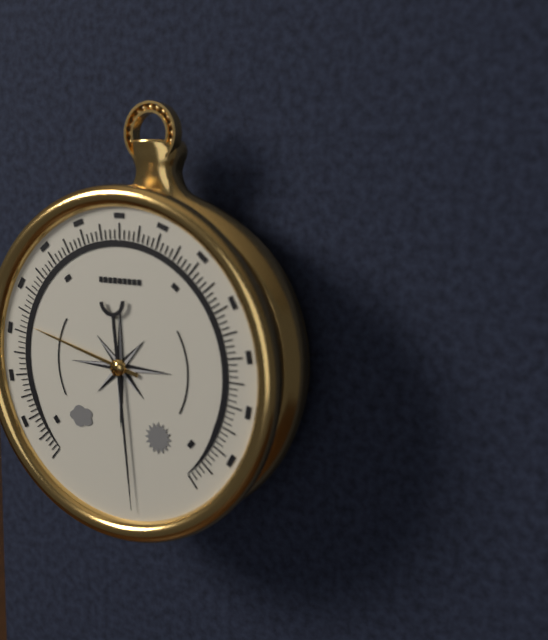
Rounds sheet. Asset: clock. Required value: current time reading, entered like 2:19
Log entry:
9:29
